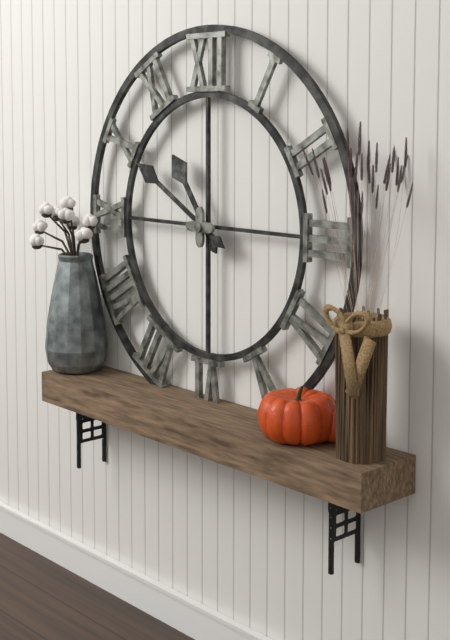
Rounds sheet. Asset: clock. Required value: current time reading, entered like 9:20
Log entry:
10:50
